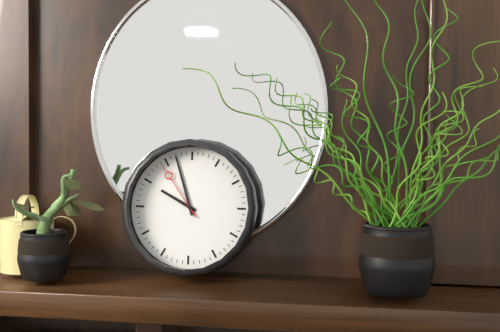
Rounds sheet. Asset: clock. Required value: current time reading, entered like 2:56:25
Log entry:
9:57:54
